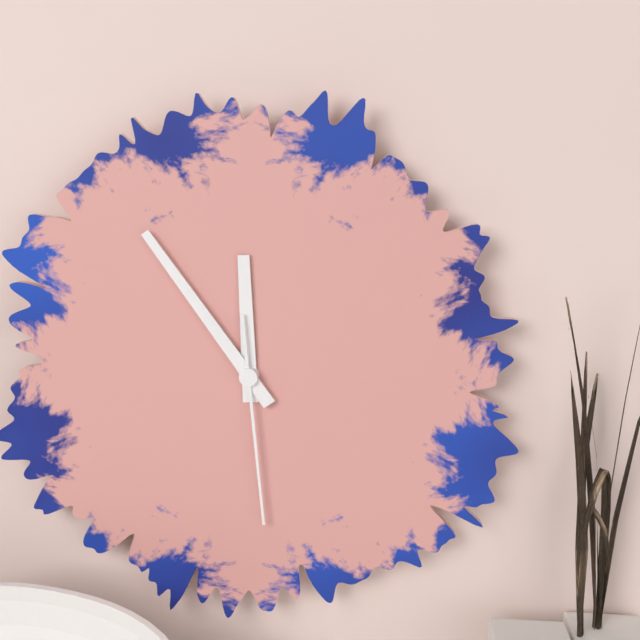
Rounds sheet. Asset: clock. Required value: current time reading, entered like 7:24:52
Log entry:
11:54:29
